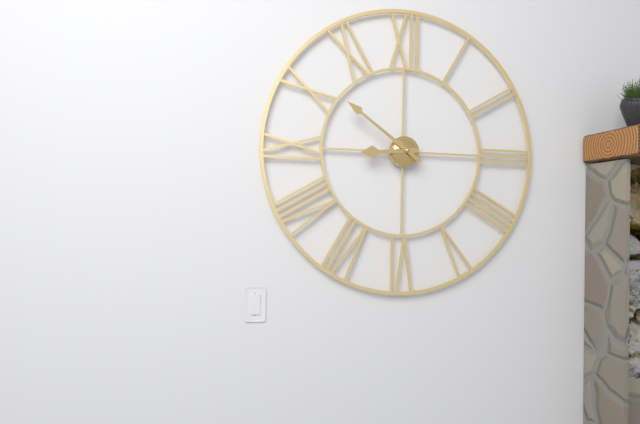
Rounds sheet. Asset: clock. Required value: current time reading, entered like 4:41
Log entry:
8:51
